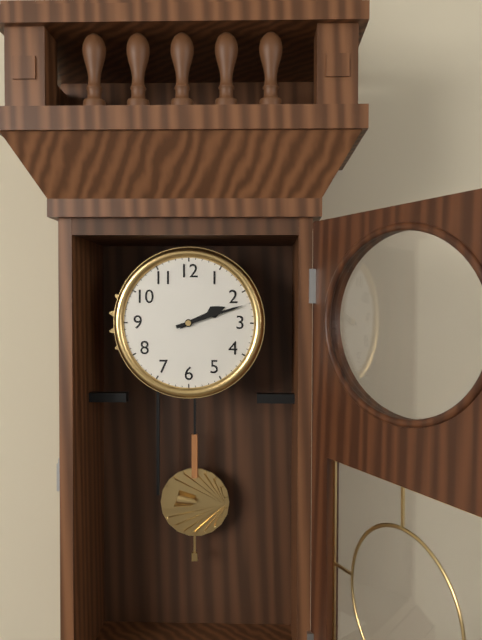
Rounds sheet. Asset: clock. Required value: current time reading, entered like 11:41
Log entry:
2:12
